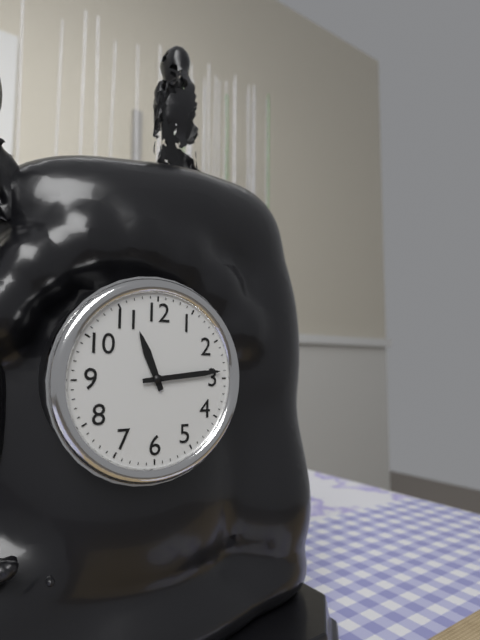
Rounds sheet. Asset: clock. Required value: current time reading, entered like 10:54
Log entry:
11:14
